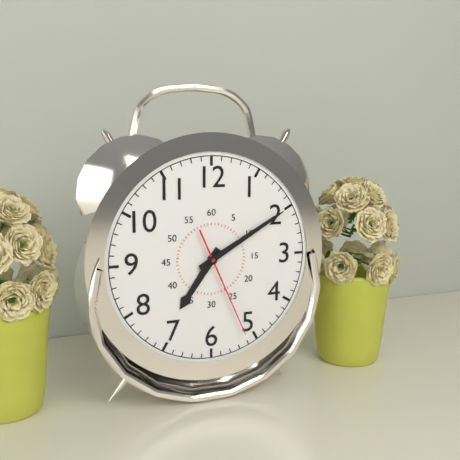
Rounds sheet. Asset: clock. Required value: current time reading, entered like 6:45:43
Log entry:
7:10:26
